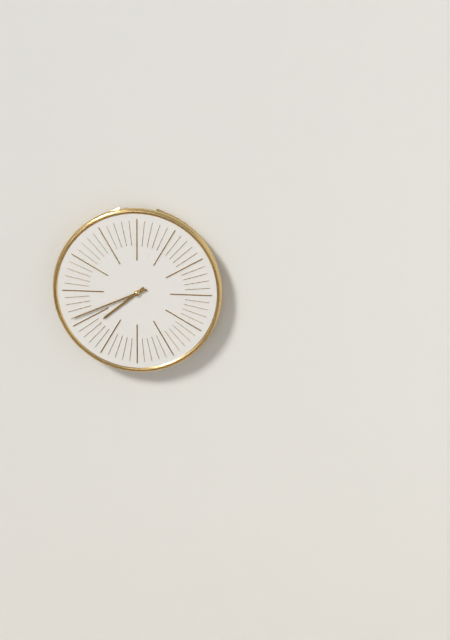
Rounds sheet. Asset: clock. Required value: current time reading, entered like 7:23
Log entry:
7:41
